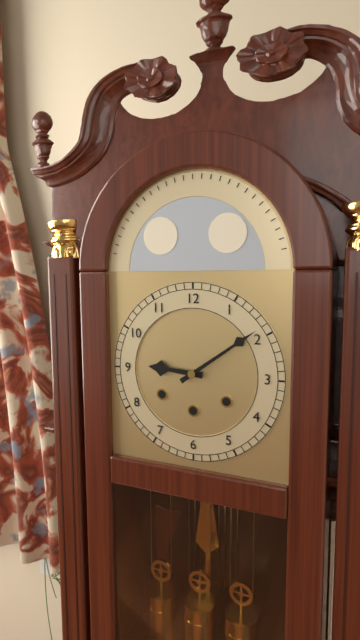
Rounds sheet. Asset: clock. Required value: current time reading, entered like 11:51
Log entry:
9:09
